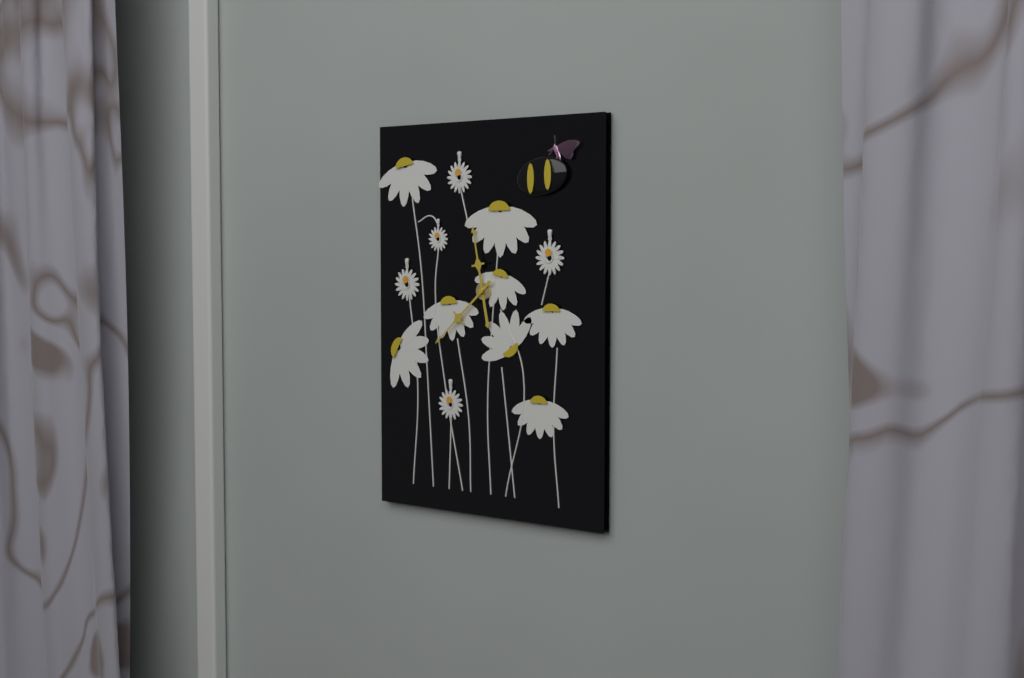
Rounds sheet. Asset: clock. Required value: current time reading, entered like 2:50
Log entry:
11:38
